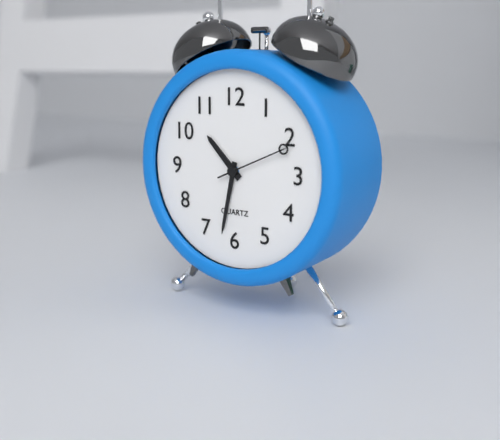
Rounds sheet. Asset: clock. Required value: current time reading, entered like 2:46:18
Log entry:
10:32:11
